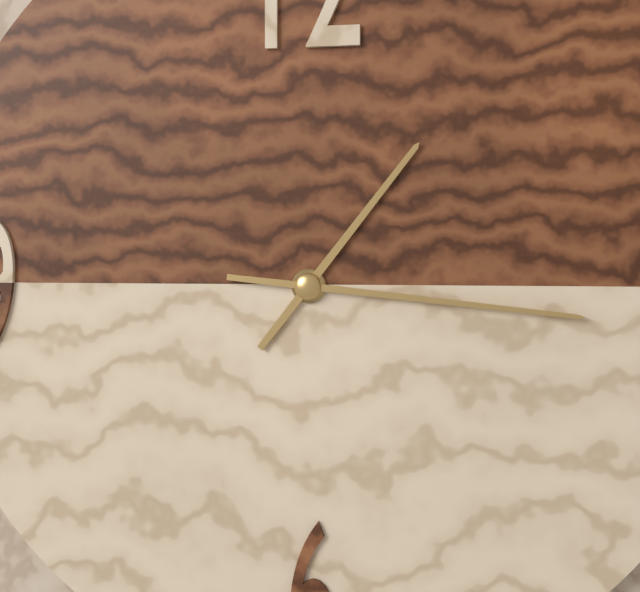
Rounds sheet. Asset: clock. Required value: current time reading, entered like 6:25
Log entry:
1:16
